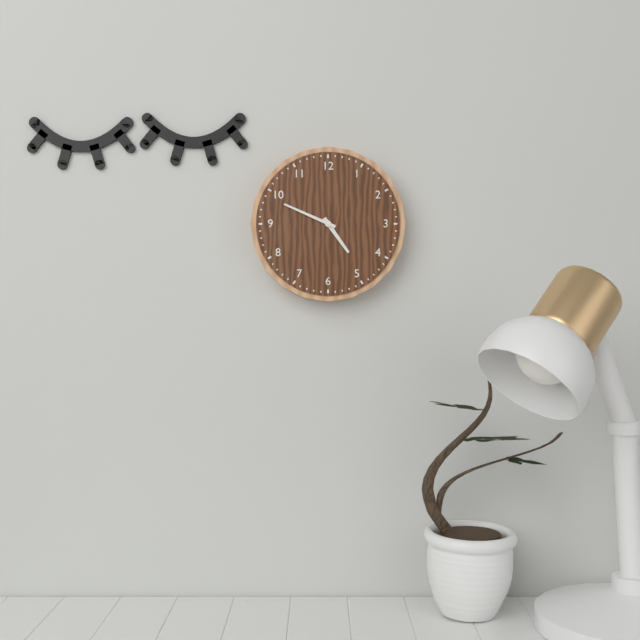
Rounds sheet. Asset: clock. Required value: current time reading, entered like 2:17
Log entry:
4:49
